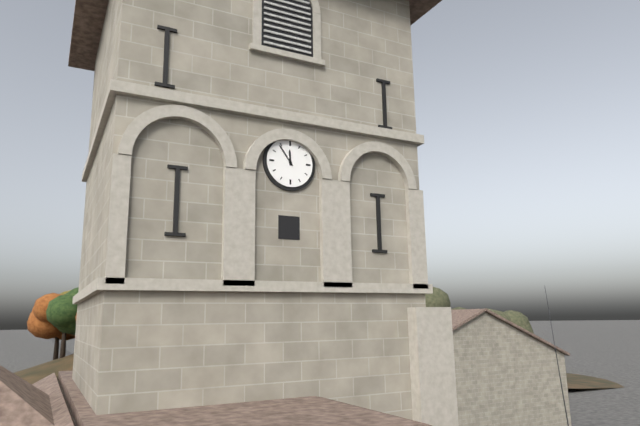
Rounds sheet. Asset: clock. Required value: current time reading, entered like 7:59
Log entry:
11:54
